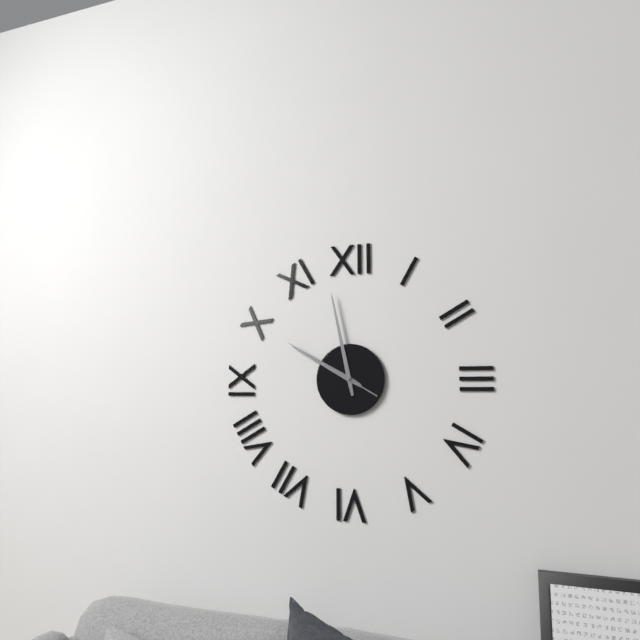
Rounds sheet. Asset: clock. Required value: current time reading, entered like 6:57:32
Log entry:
9:58:50
